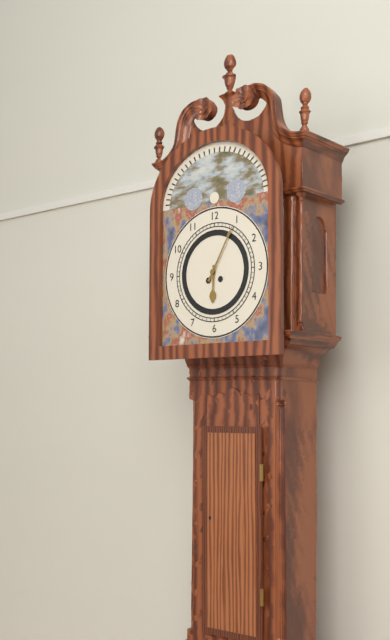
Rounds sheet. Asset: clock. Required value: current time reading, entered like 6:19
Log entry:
6:05
